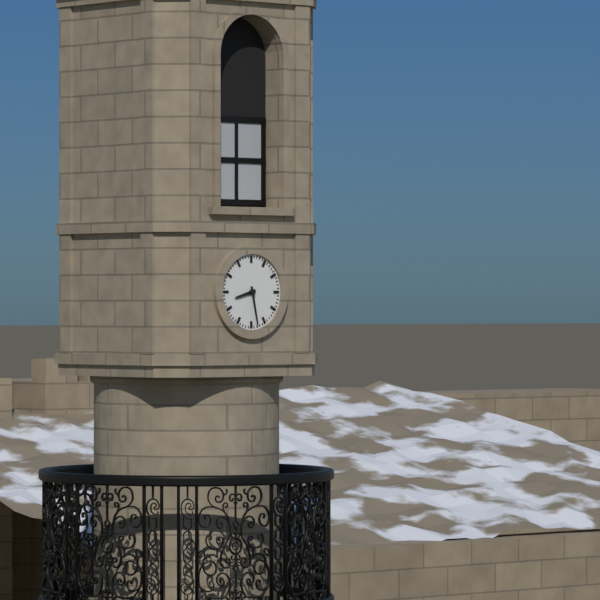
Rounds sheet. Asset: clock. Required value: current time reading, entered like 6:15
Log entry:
8:28
